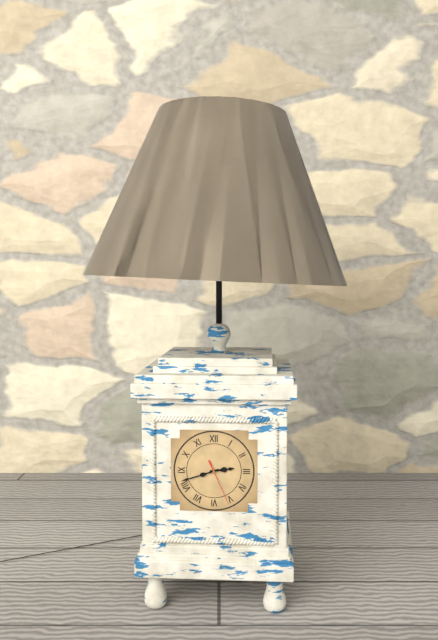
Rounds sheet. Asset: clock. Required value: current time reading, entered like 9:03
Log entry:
2:42
